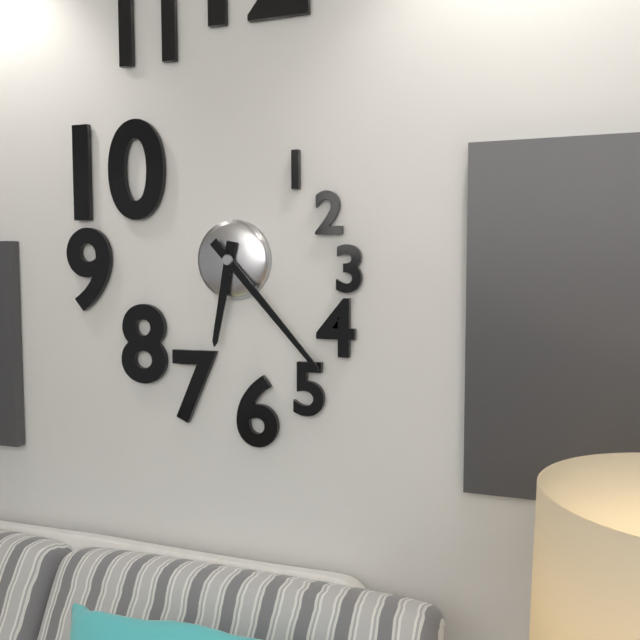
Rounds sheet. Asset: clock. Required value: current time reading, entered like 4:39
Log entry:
6:23
